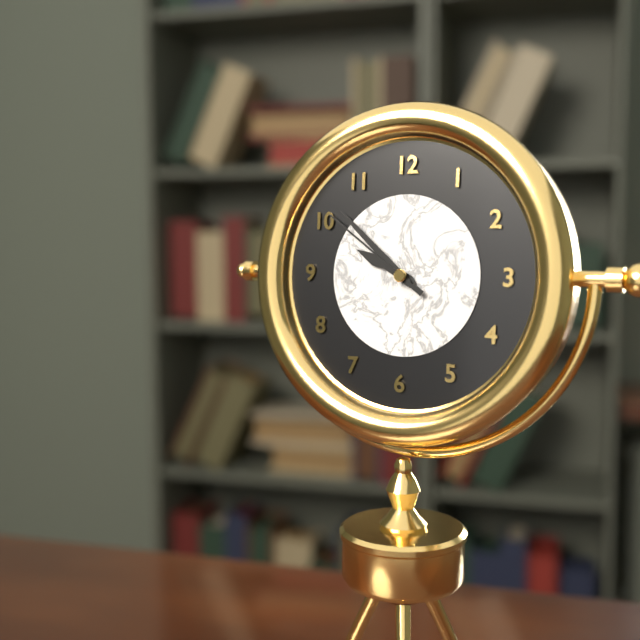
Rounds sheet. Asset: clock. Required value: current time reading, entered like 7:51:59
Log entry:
9:52:51
